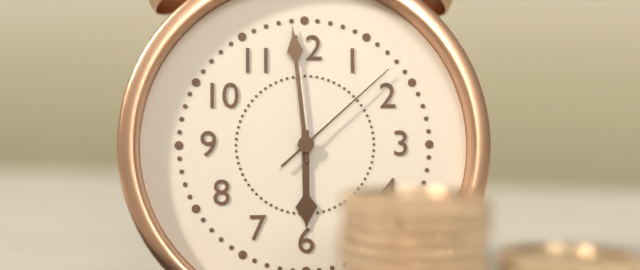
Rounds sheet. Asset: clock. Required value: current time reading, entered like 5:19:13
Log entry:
5:59:08
